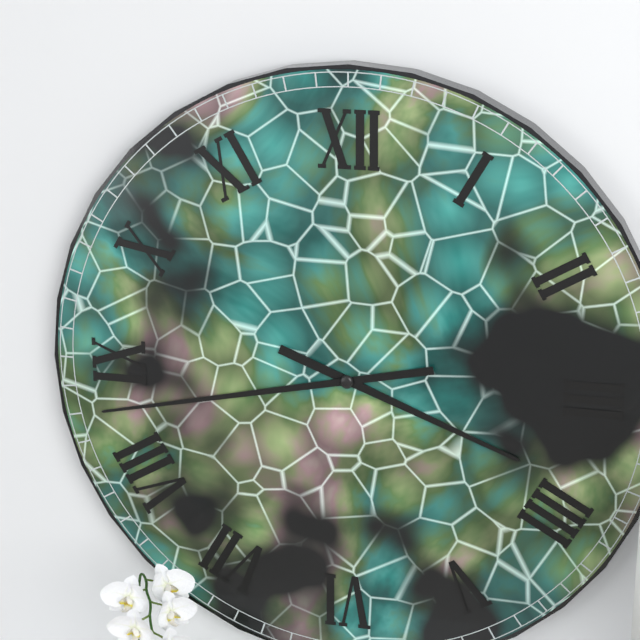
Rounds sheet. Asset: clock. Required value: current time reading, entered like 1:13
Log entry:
3:43
